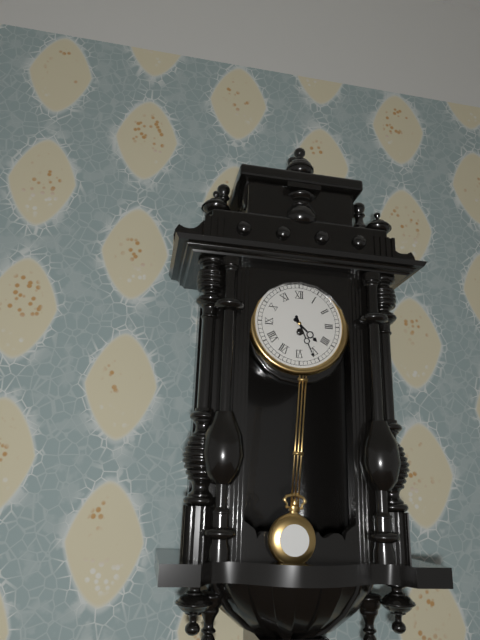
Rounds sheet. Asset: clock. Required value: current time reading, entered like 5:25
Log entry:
4:26
